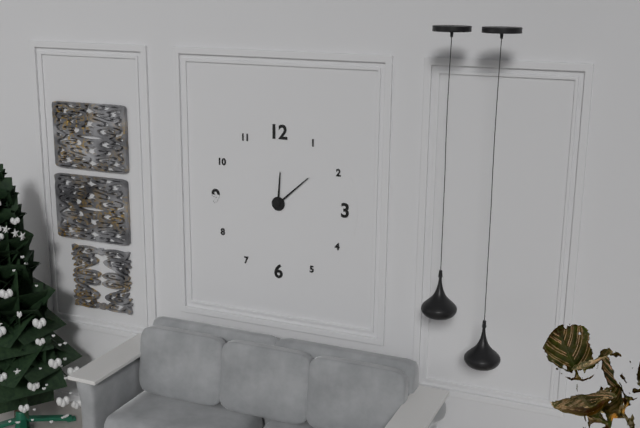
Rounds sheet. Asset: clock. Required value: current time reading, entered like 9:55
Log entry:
12:08
